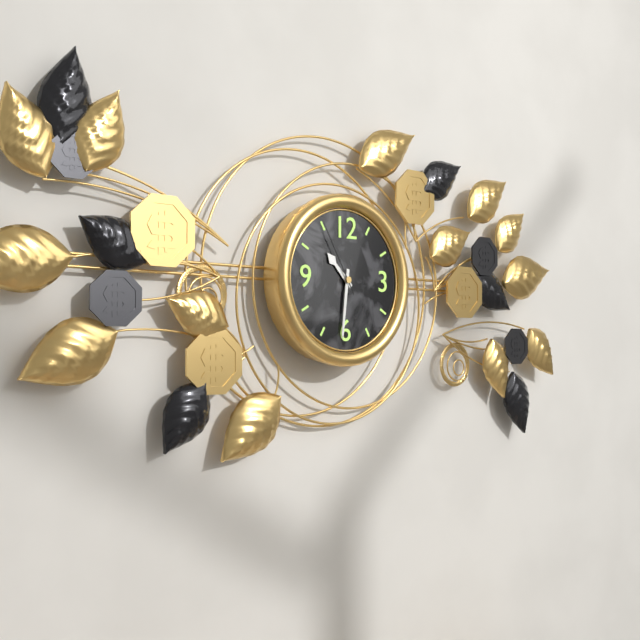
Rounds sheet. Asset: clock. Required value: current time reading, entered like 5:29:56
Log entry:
10:31:55
